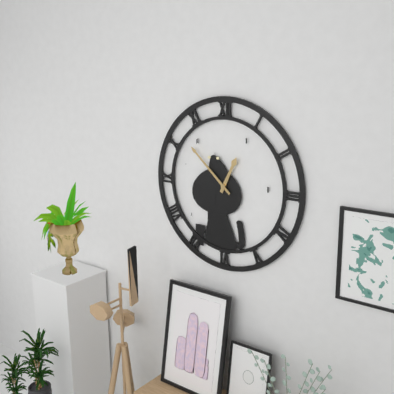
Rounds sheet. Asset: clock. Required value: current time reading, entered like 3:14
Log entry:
12:52
